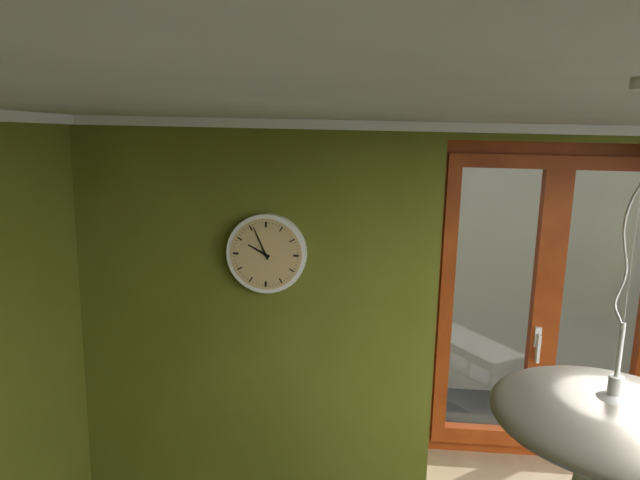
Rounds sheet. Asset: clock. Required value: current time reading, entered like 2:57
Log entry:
9:56
